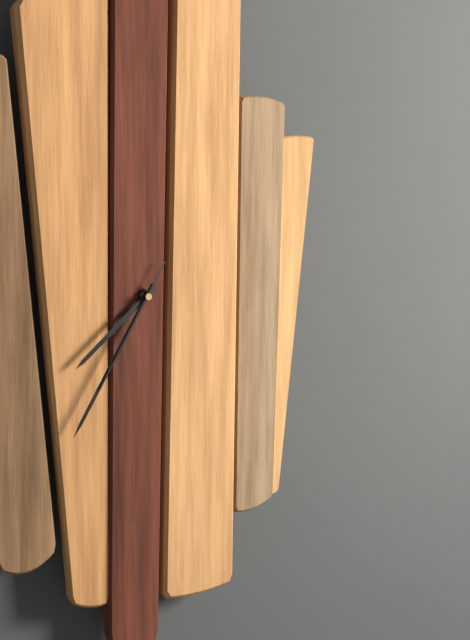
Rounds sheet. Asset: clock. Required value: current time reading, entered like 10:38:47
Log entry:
7:35:35
